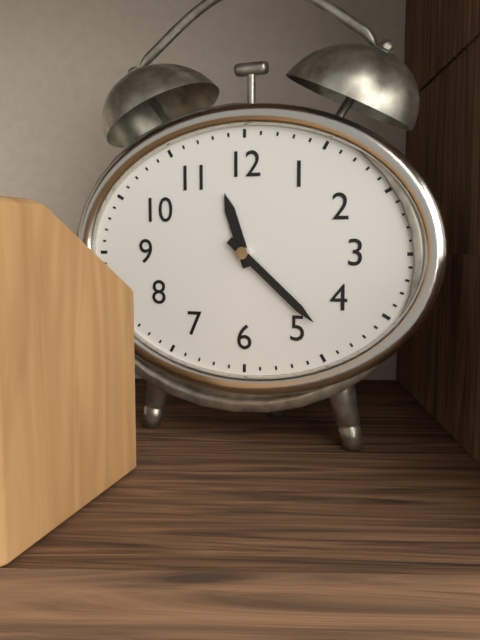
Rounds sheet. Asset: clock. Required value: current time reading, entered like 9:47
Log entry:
11:22
